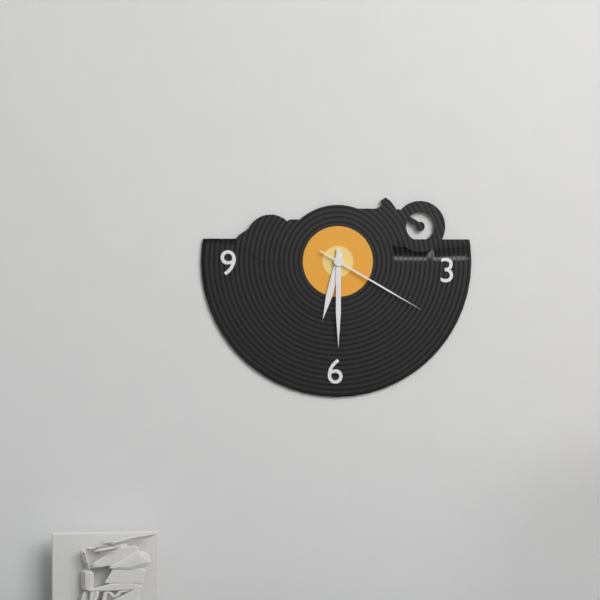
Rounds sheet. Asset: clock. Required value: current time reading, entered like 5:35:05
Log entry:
6:30:20
